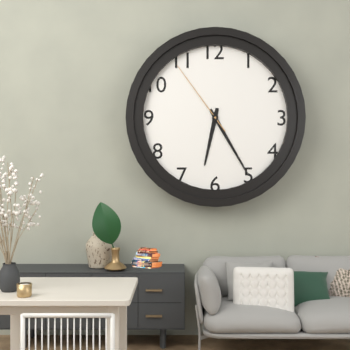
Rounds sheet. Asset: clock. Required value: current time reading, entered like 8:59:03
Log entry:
6:25:54
